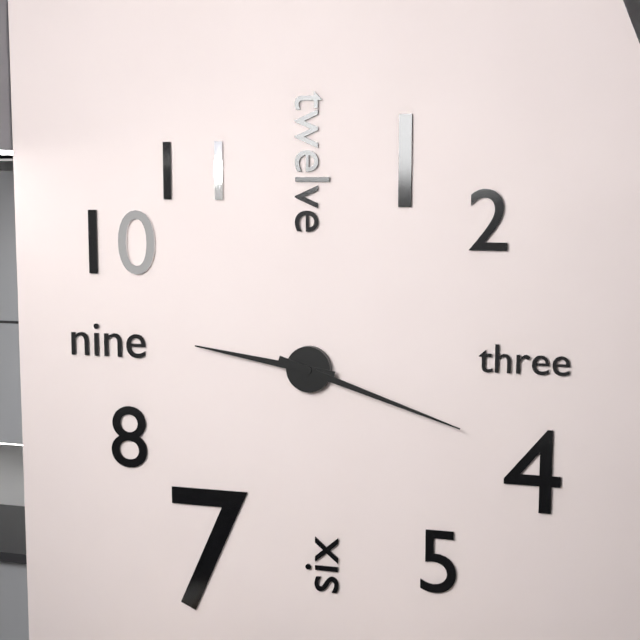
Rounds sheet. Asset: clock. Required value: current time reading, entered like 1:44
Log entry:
9:18
